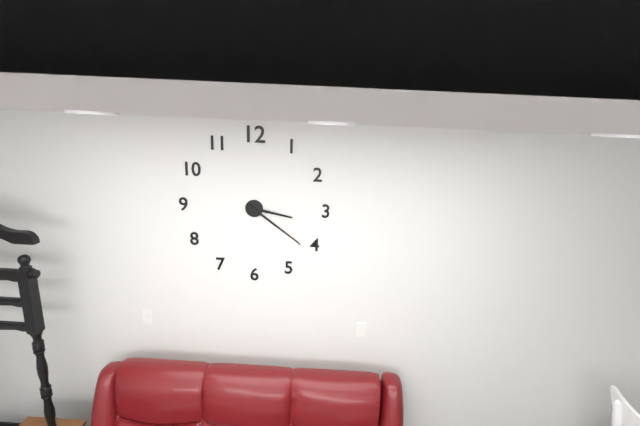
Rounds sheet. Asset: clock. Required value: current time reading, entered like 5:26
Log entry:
3:21
